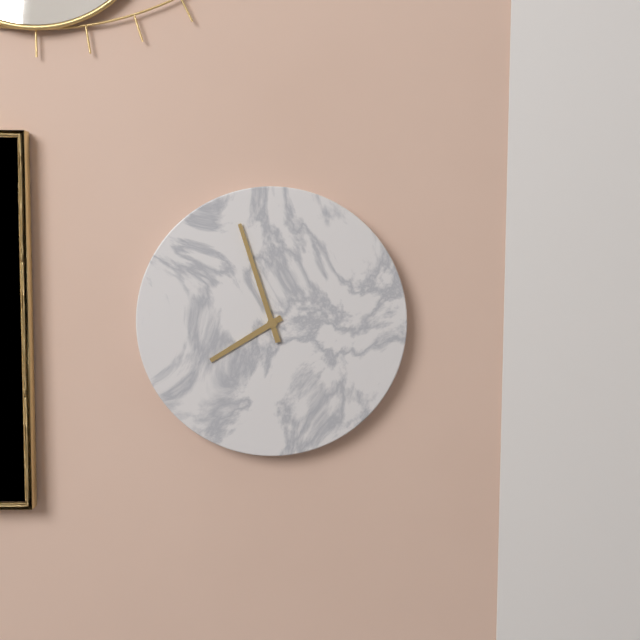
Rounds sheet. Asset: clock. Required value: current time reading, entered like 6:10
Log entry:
7:57
